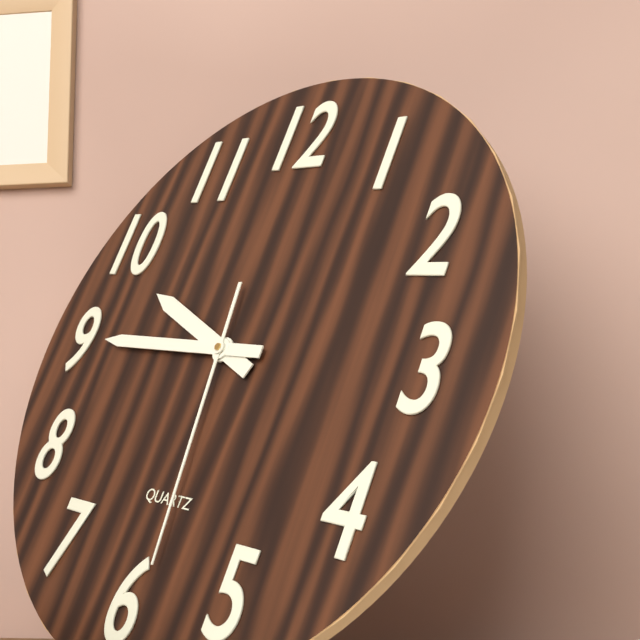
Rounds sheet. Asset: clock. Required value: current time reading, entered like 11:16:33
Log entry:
9:45:29
